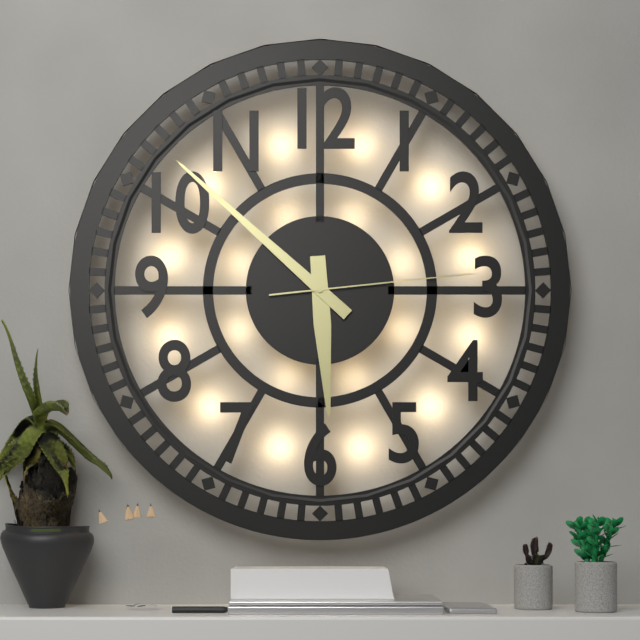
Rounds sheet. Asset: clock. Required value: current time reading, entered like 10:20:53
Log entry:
5:52:14
